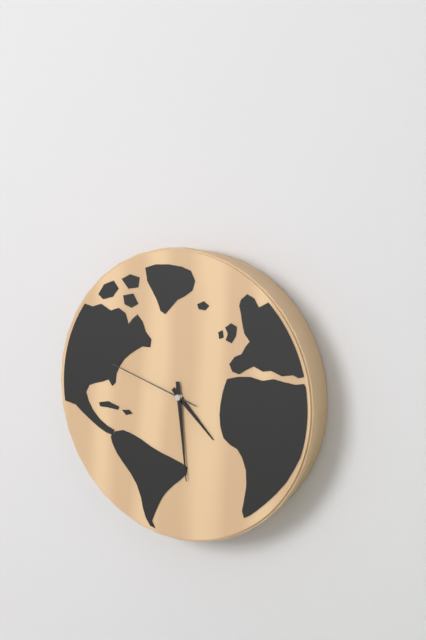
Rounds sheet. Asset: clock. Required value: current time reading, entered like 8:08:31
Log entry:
4:29:48
